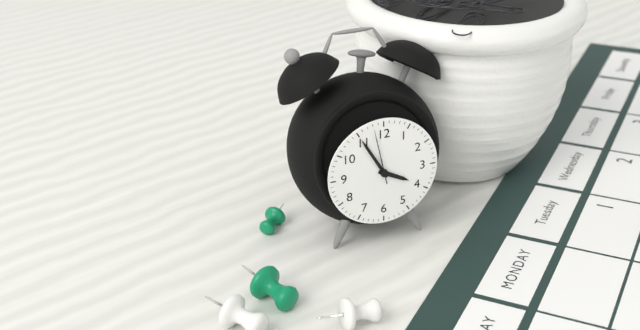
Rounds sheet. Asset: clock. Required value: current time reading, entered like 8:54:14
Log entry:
3:55:58
